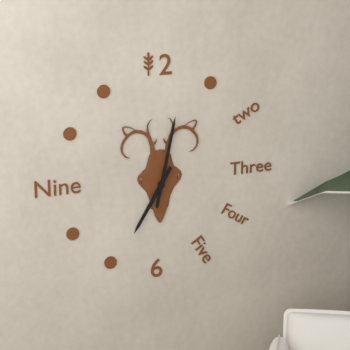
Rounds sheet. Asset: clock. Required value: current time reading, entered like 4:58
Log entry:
7:02
